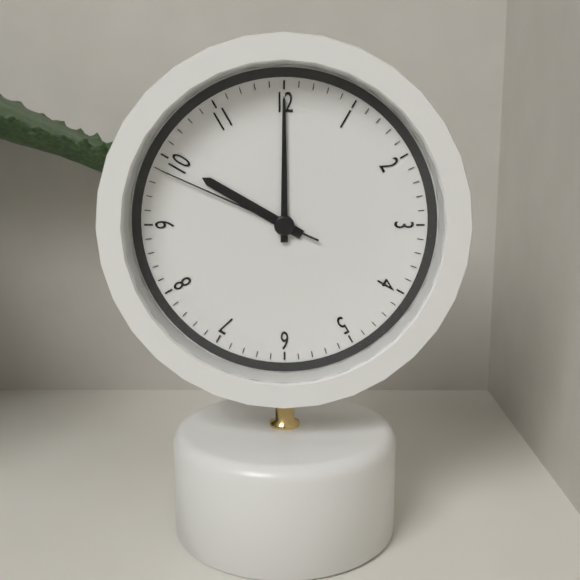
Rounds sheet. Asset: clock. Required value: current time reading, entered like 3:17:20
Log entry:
10:00:49
